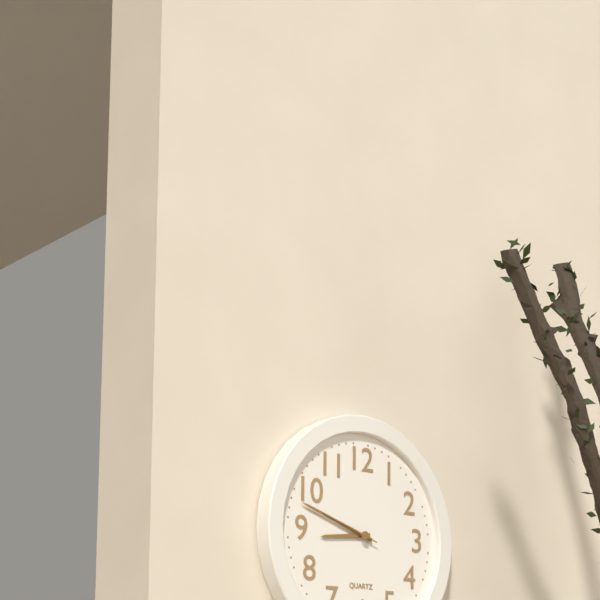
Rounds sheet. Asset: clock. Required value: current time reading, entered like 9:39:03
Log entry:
8:48:48
